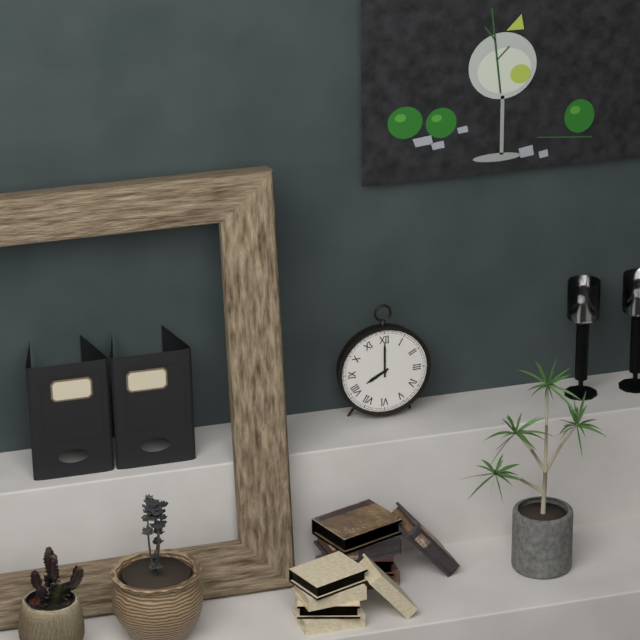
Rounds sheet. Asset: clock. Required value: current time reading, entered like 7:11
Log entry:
8:00
